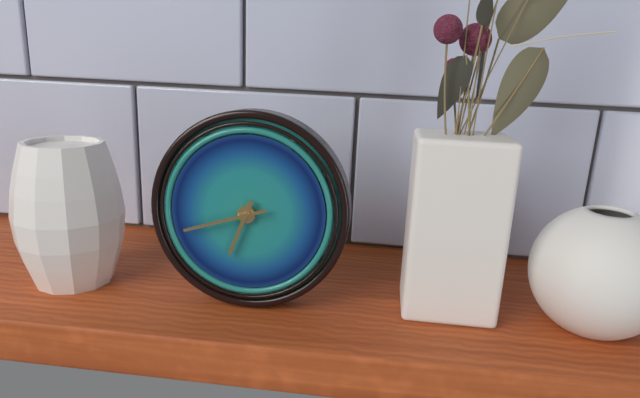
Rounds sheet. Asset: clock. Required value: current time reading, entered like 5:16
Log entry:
6:42
